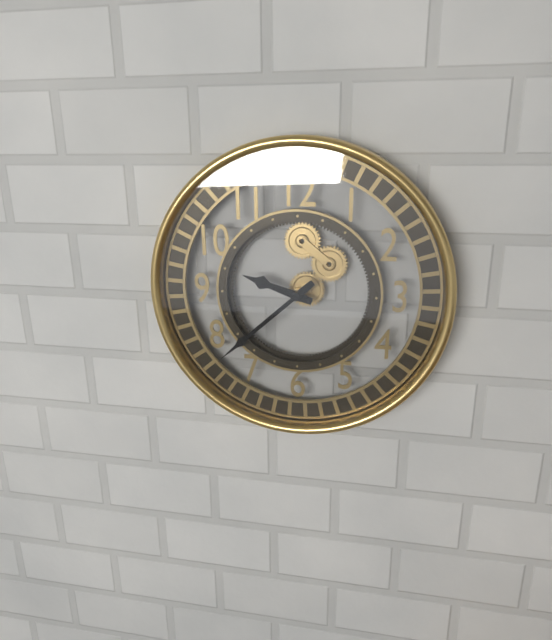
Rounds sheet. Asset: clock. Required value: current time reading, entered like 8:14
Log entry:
9:38
